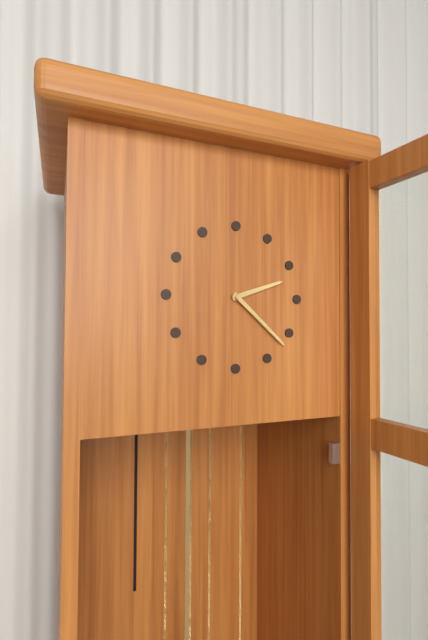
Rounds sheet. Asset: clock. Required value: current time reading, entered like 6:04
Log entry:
2:22
